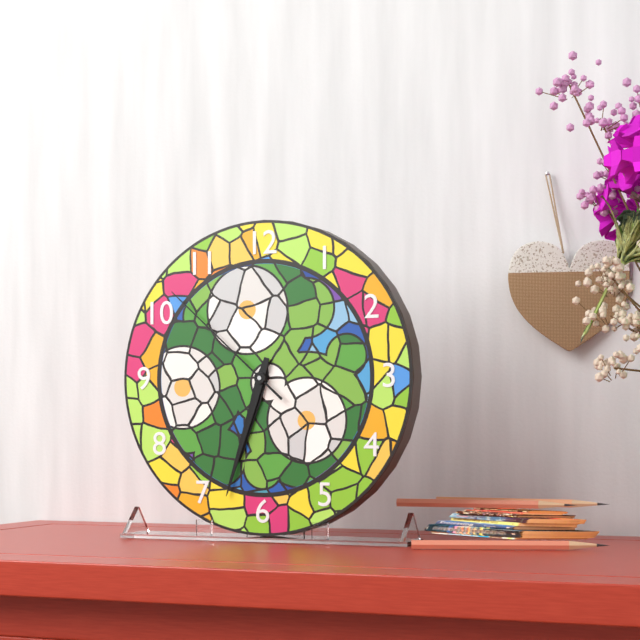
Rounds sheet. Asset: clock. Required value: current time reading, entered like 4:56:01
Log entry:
6:33:52
